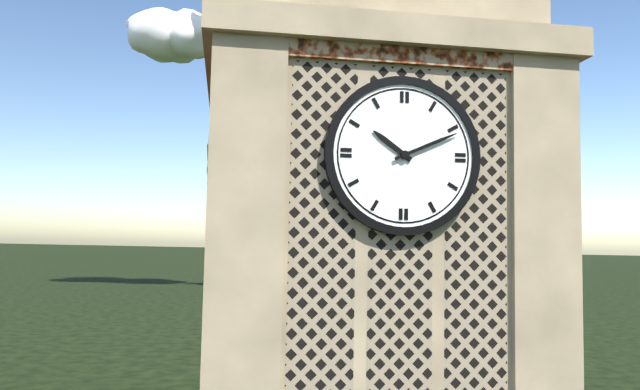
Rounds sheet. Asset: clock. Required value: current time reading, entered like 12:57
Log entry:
10:11
